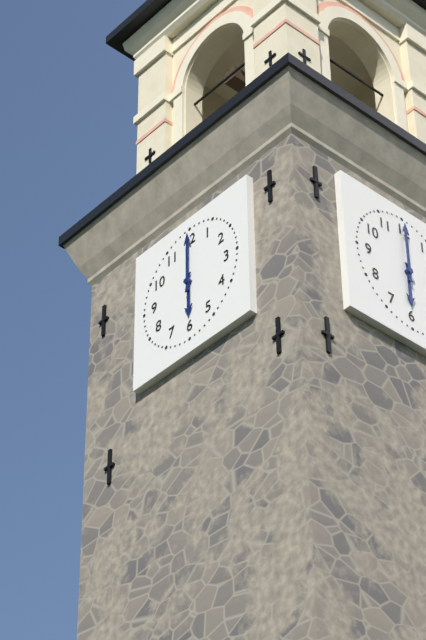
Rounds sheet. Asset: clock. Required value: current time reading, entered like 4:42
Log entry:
6:00
